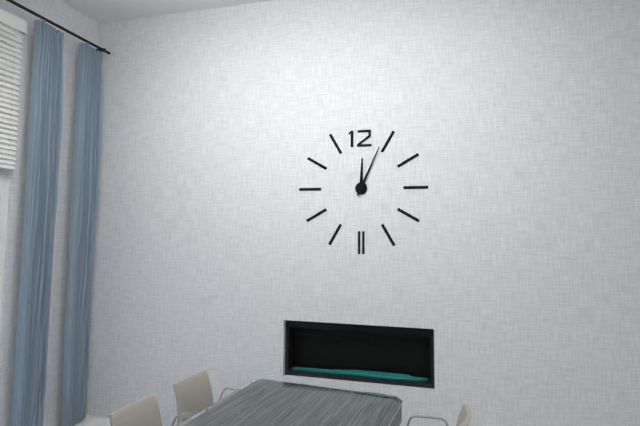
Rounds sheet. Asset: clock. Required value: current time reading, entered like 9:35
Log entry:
12:04
